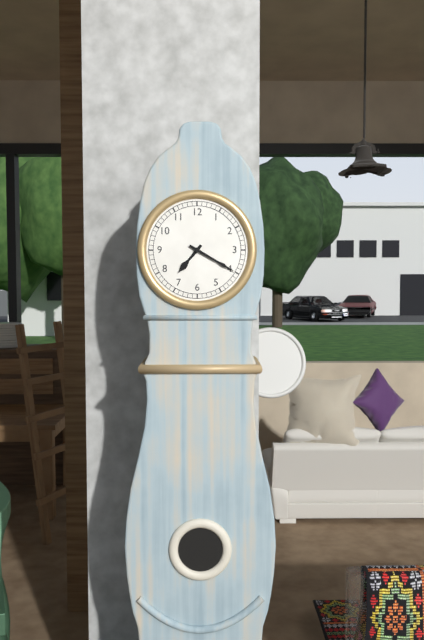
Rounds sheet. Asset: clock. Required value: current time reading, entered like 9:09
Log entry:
7:20
